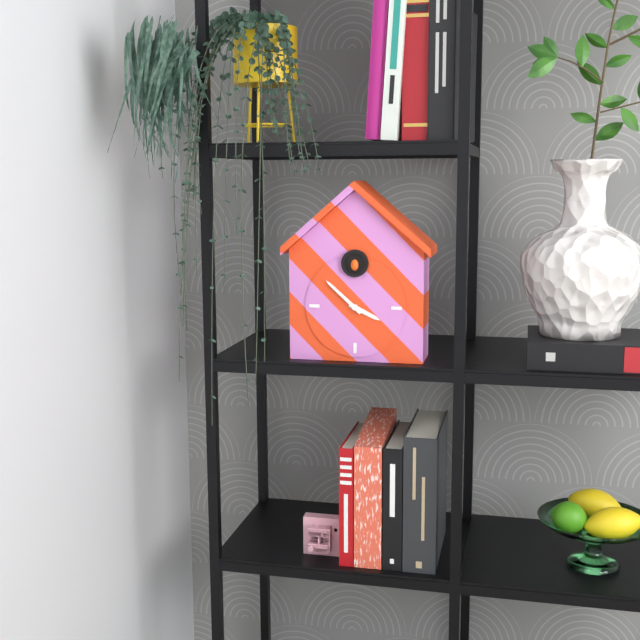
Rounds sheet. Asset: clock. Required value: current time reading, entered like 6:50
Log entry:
3:52
